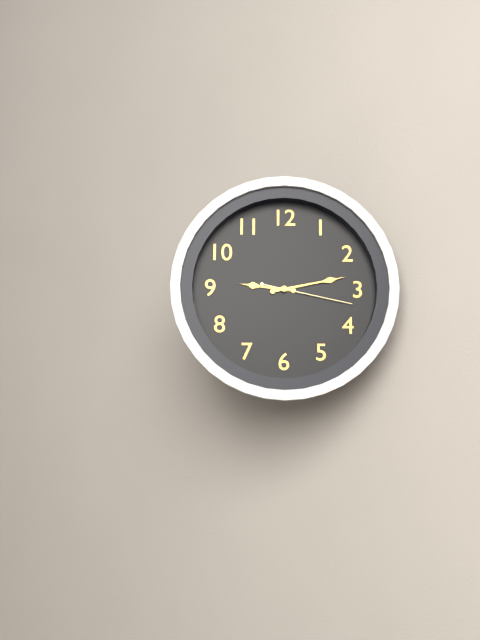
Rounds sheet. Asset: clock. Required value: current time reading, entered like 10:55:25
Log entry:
9:13:17
